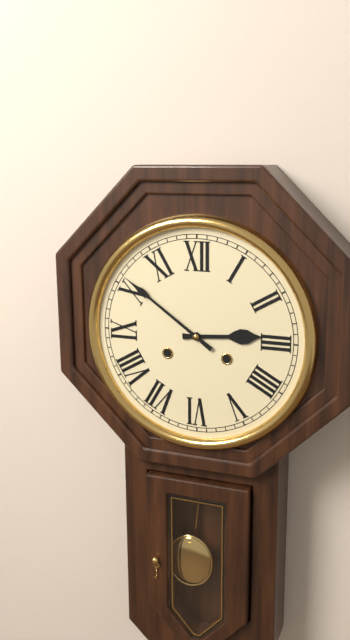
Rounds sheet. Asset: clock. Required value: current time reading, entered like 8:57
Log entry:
2:51
